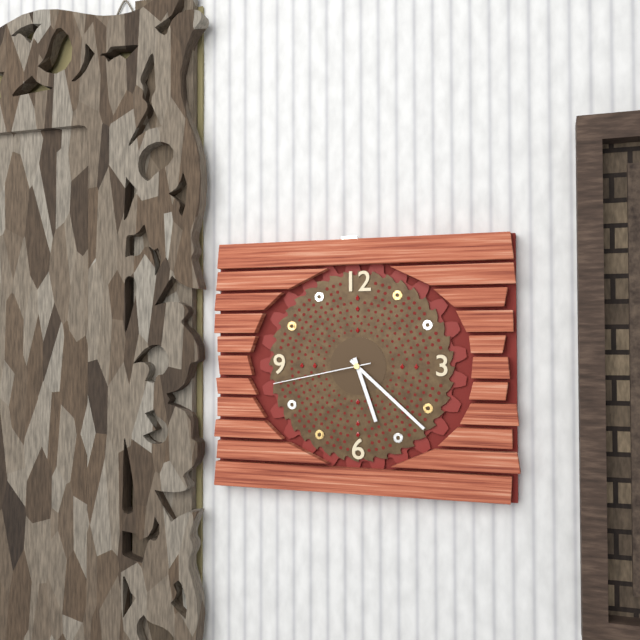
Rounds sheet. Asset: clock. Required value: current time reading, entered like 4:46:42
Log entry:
5:22:43
